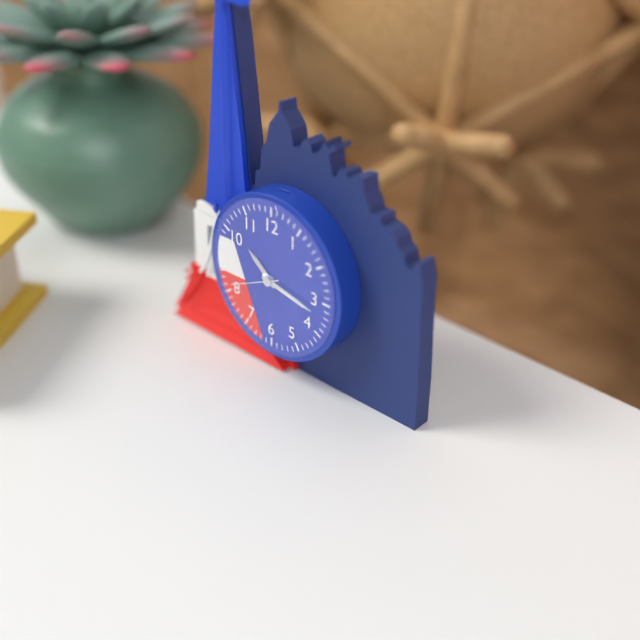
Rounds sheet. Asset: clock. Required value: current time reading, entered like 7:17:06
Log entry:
10:17:41
